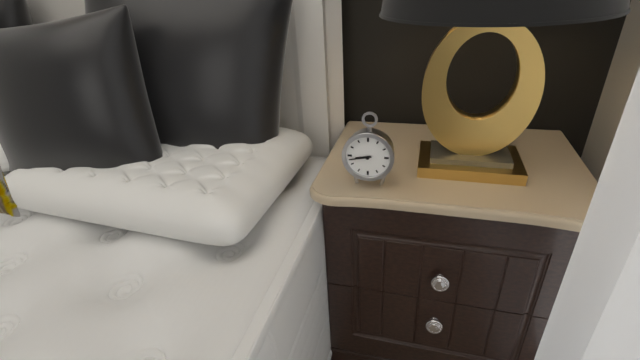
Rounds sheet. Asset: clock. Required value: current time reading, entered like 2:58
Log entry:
8:43
